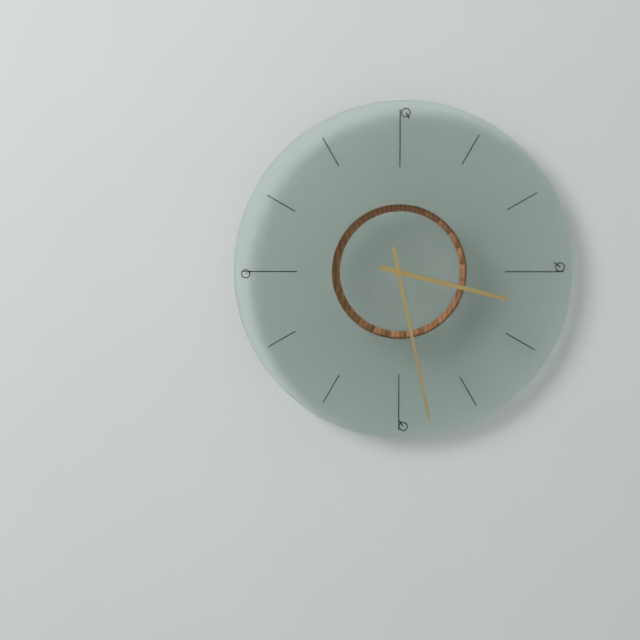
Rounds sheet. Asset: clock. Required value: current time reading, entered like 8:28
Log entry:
3:28
